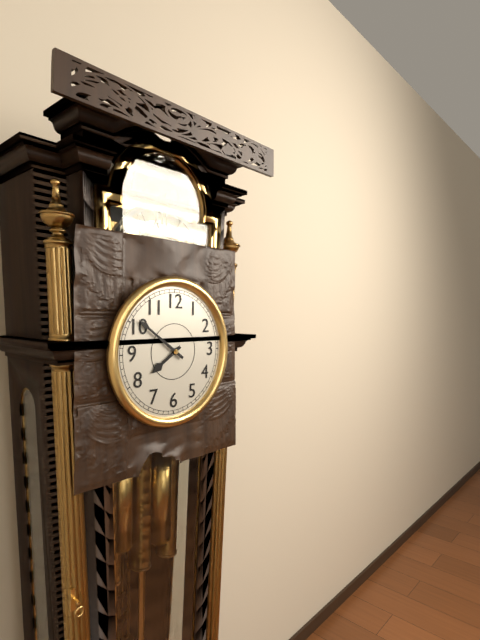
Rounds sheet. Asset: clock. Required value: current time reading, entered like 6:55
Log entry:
7:51
